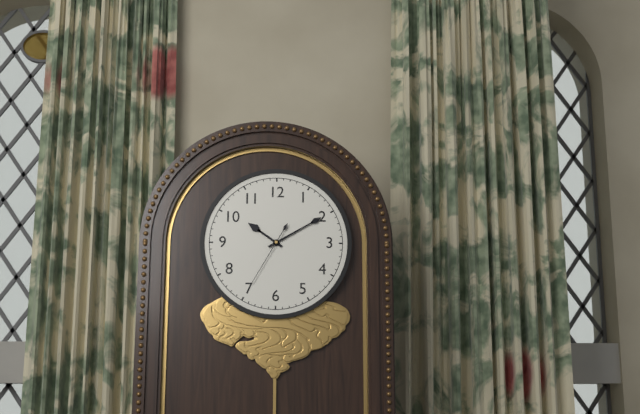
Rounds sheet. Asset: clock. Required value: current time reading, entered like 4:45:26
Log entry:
10:10:35
